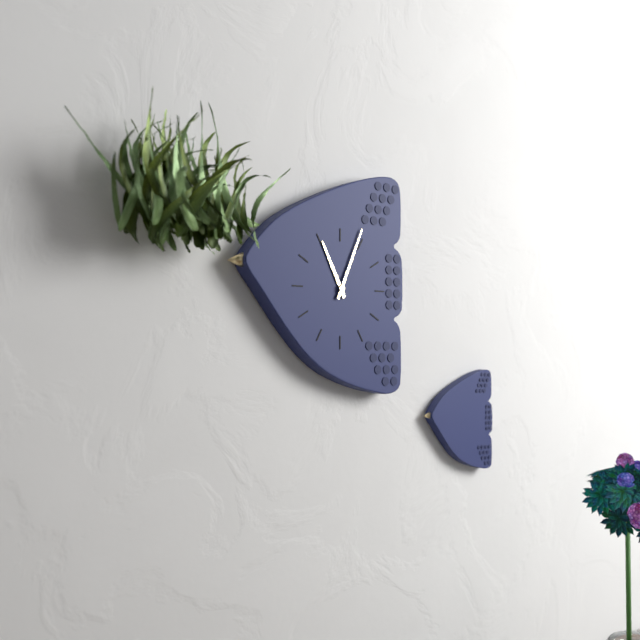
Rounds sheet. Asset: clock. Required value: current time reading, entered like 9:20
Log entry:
11:04
